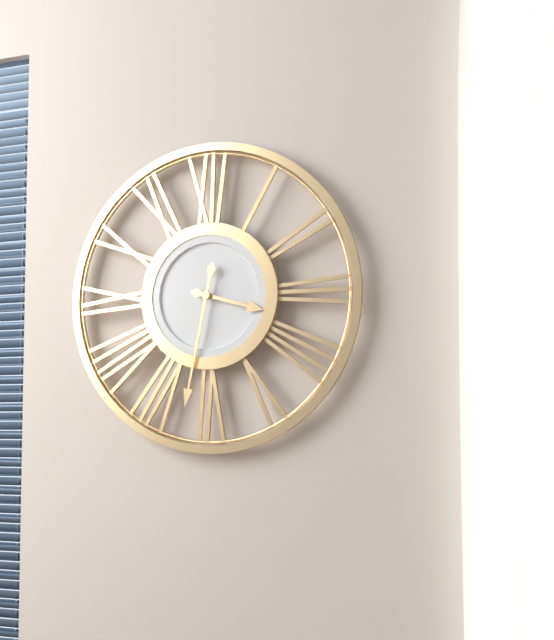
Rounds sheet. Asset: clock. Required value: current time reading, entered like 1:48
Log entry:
3:32
